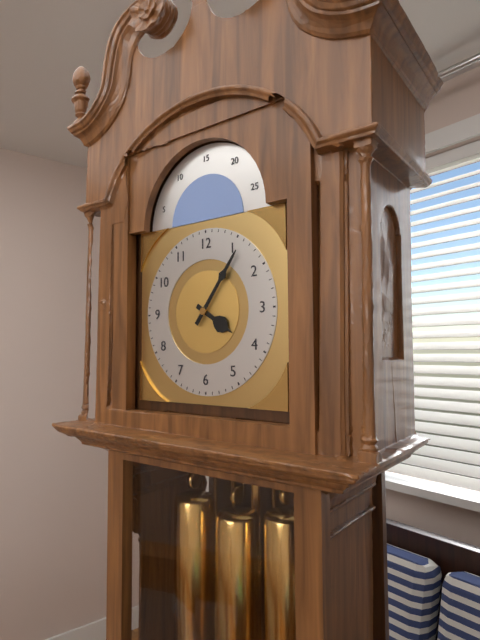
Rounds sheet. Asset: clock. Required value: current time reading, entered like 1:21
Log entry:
4:06
